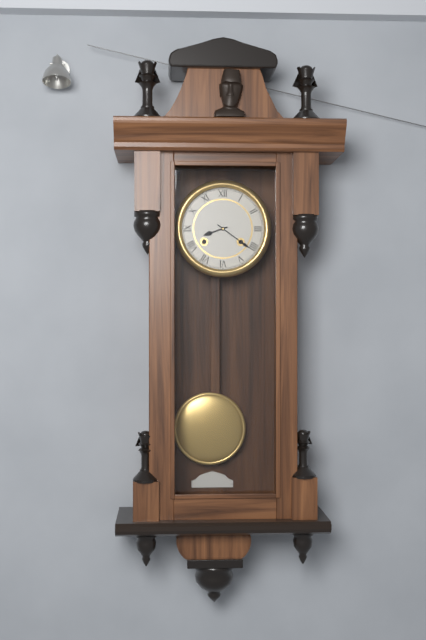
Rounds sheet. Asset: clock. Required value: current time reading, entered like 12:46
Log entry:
8:21
